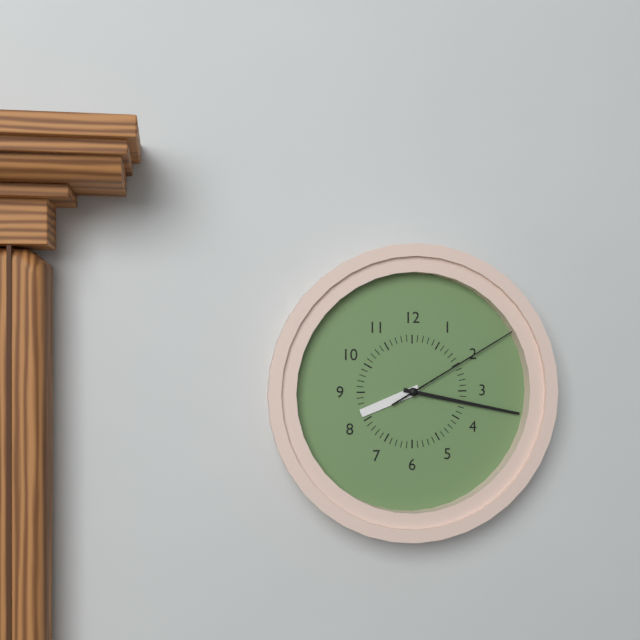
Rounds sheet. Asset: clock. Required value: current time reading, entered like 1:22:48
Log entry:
8:17:10
